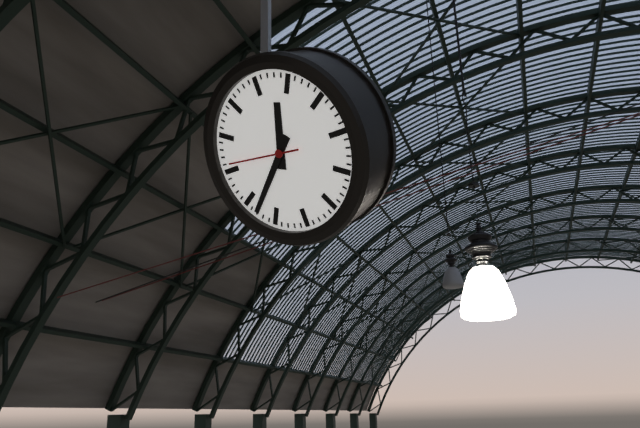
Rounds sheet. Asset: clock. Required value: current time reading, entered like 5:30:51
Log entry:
12:38:46
